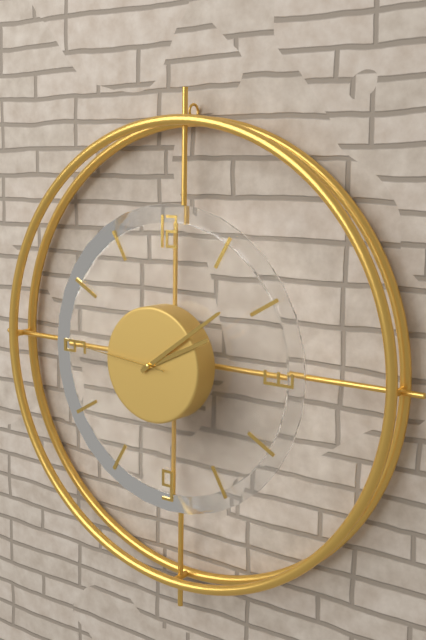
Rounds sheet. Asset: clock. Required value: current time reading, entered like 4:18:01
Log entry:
2:09:46
